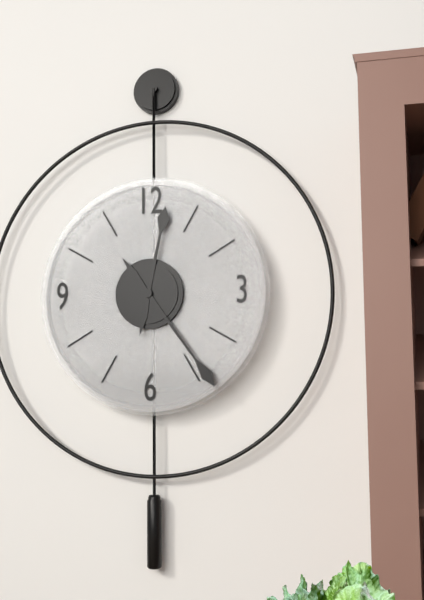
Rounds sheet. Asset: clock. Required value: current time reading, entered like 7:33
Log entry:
12:24
